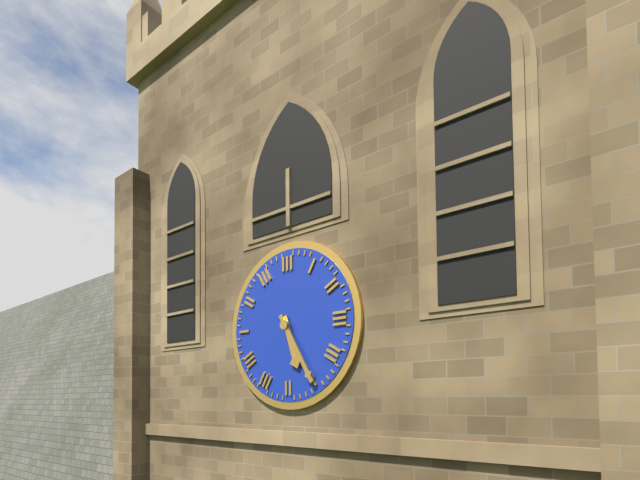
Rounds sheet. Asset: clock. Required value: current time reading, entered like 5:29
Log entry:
5:25
